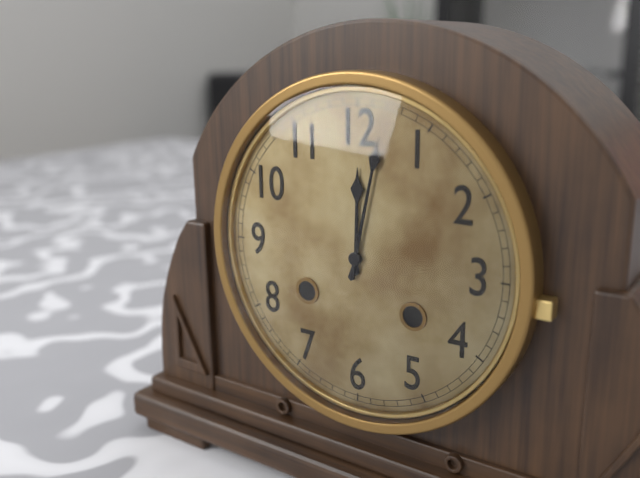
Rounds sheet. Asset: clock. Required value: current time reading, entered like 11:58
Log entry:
12:02
